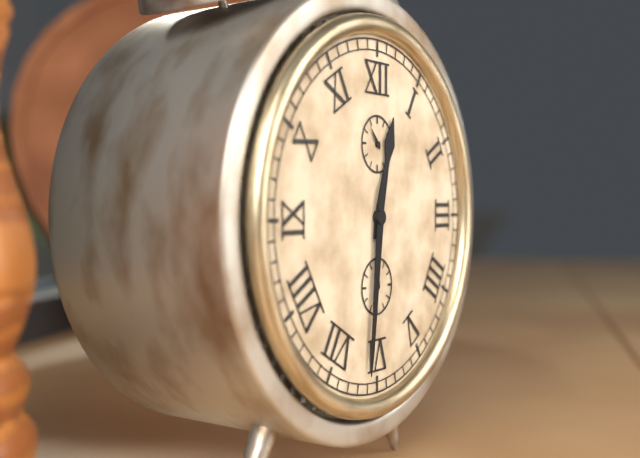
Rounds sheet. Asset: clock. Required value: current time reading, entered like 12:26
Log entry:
12:31
